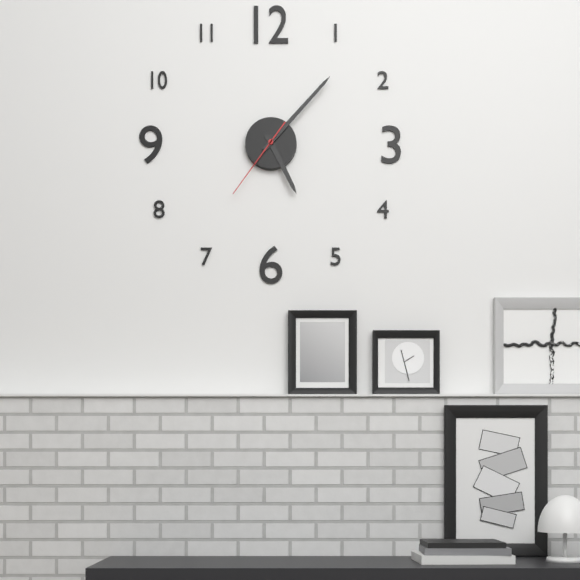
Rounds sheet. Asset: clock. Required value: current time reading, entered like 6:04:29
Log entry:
5:07:36
